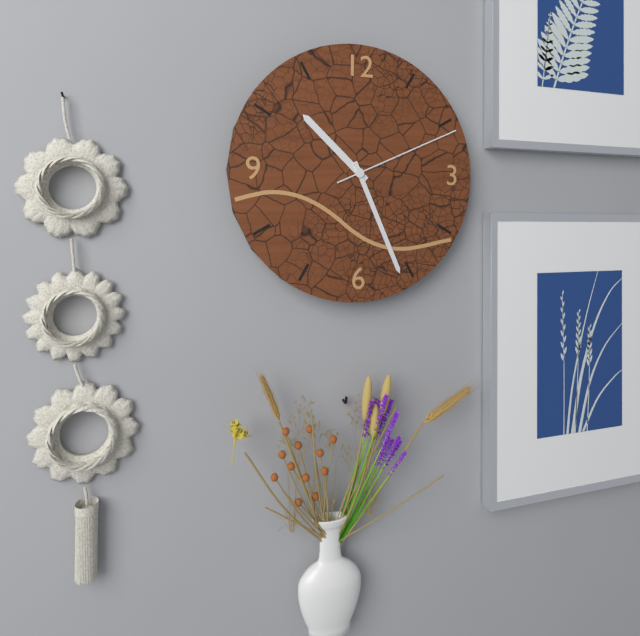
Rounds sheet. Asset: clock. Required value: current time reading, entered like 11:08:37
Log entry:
10:26:11
